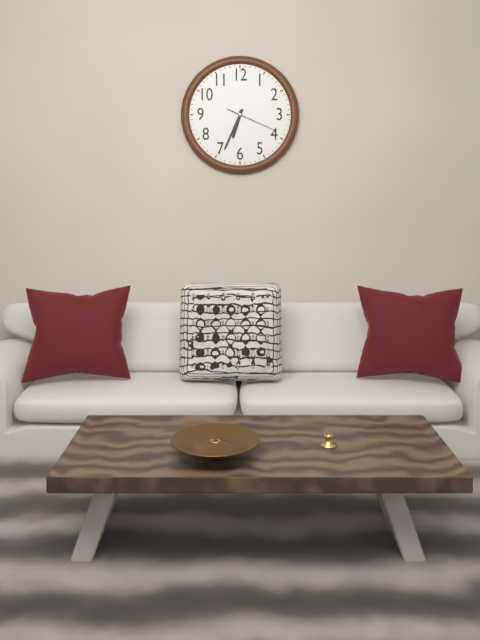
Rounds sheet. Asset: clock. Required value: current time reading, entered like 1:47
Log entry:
6:34
